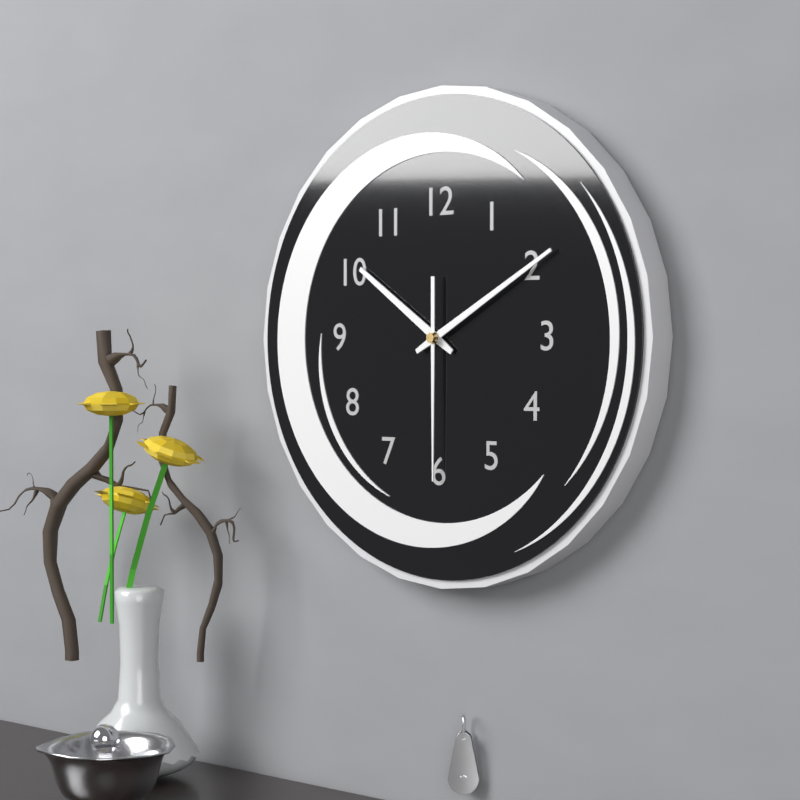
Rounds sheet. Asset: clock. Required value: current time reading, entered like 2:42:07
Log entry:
10:10:30
